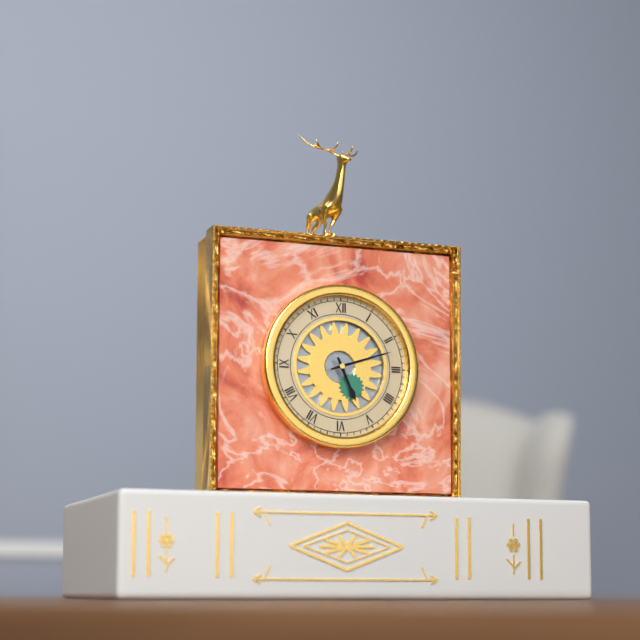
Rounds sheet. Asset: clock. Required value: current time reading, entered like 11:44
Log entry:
5:12
